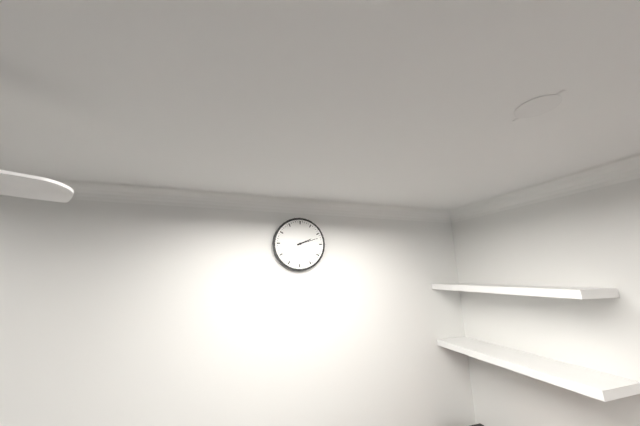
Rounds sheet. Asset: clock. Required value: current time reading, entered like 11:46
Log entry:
2:12
